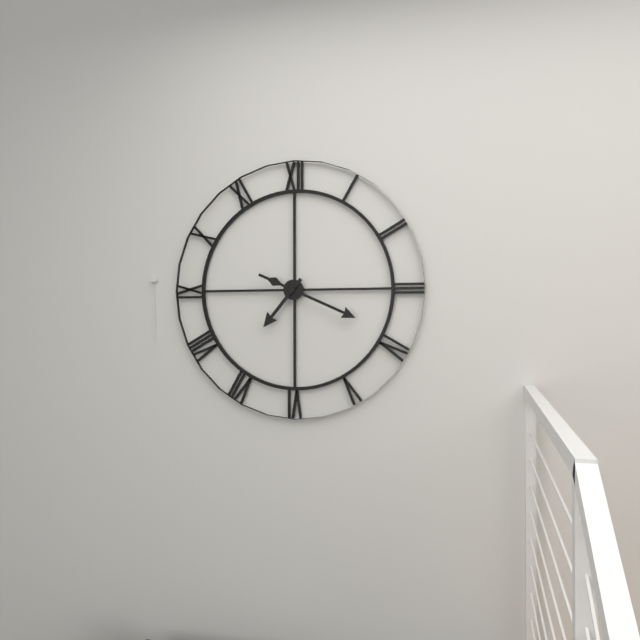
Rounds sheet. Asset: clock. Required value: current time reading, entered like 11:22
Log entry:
7:19
